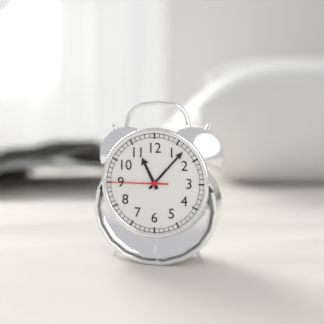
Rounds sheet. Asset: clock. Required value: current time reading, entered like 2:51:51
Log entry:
11:07:45
